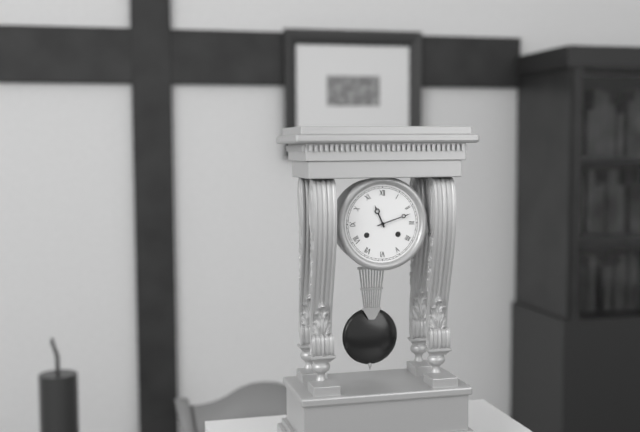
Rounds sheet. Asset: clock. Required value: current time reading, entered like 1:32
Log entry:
11:12
